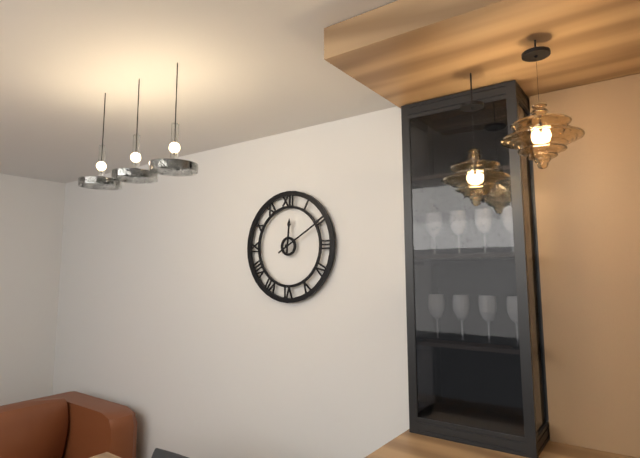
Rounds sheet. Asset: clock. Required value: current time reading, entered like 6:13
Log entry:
12:10
